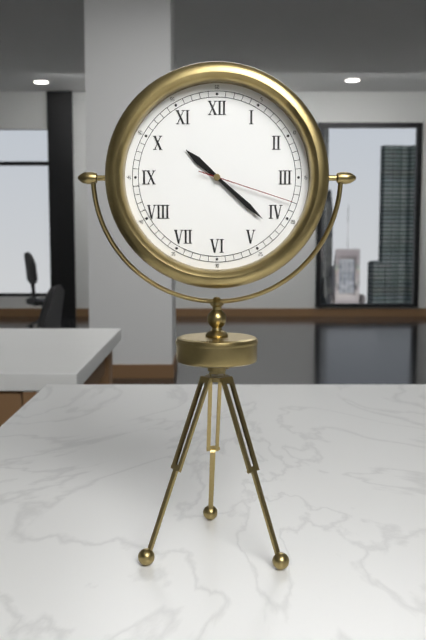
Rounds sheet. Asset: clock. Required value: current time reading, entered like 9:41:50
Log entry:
10:22:18
